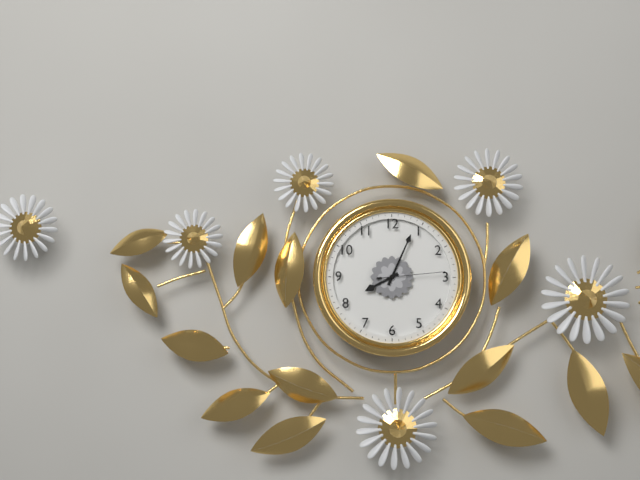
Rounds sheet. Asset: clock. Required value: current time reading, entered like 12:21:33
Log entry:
8:04:14
